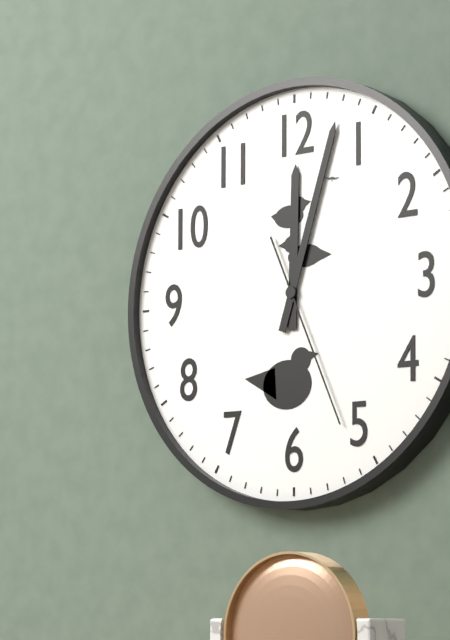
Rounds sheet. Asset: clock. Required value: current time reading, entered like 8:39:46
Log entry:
12:03:26
